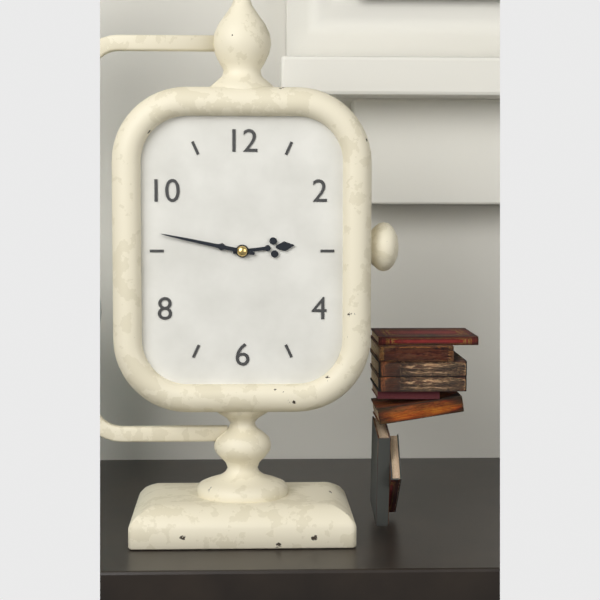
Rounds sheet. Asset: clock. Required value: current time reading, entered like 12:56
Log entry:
2:47
